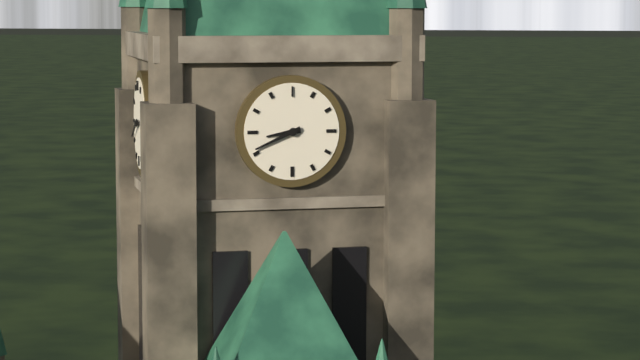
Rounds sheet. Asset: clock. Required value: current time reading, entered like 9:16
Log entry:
8:41
